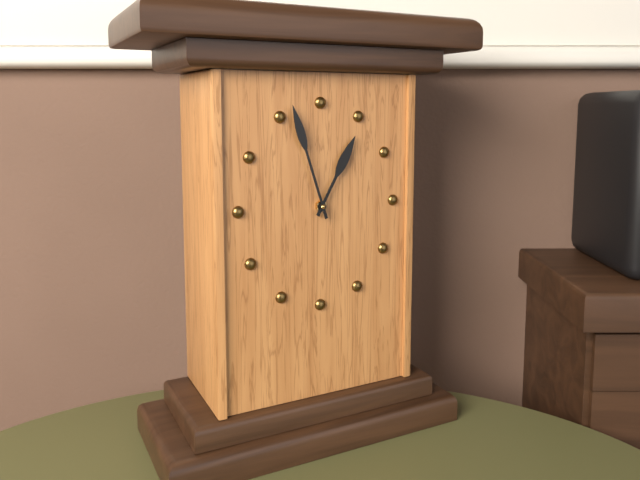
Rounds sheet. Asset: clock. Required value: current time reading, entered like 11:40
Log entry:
12:57
